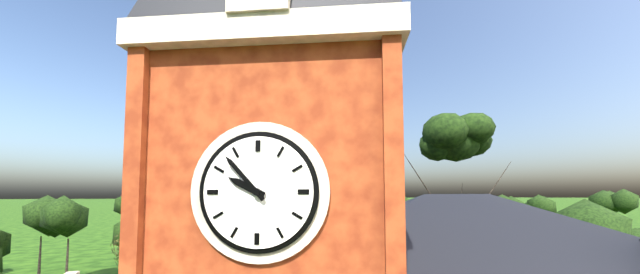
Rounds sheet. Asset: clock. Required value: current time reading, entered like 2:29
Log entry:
9:53
